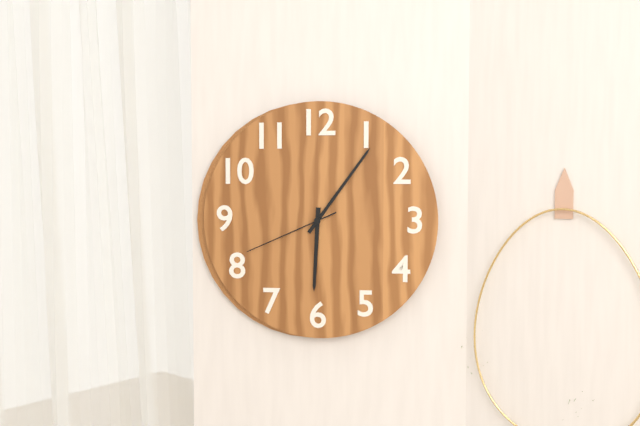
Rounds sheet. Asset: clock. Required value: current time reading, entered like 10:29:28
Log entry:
6:06:41
